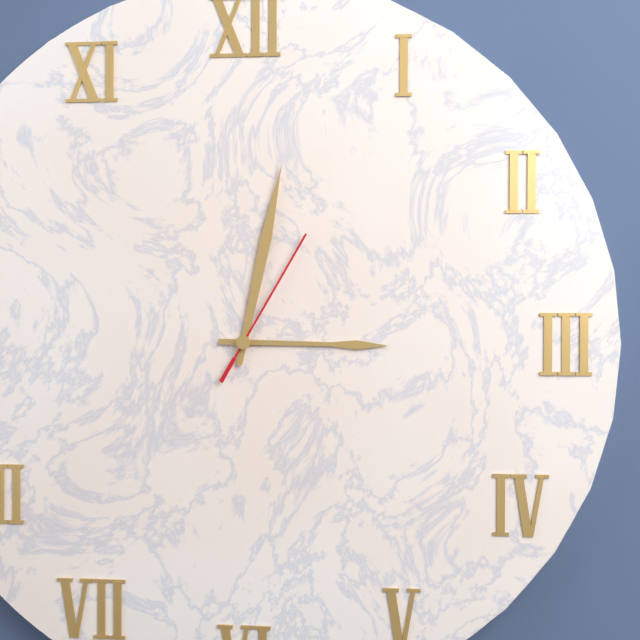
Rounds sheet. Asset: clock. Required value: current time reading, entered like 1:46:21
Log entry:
3:02:05
